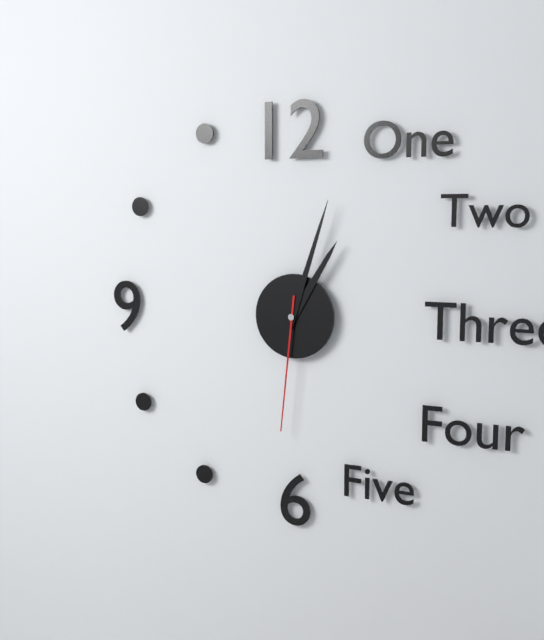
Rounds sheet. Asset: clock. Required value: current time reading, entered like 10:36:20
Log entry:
1:03:31
